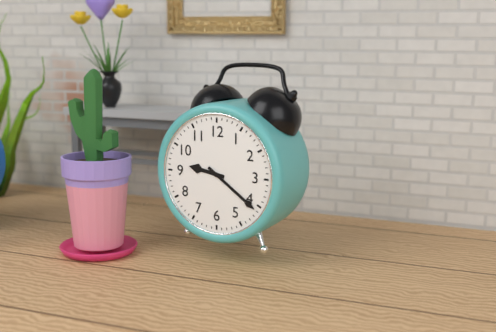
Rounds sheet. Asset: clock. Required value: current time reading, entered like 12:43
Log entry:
9:21
